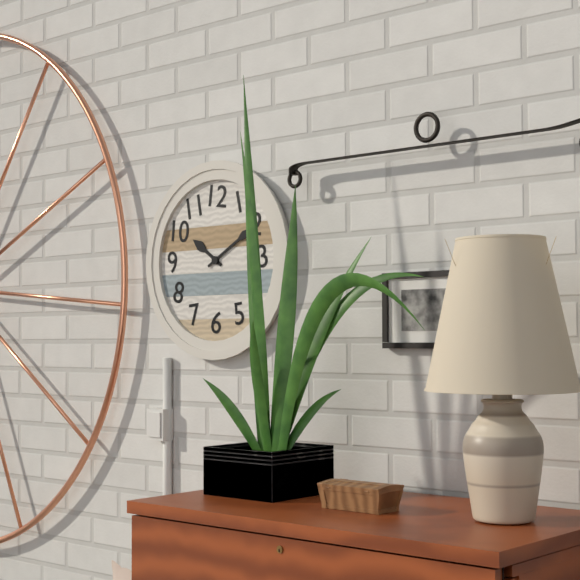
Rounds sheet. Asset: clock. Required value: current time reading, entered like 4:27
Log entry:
10:10
